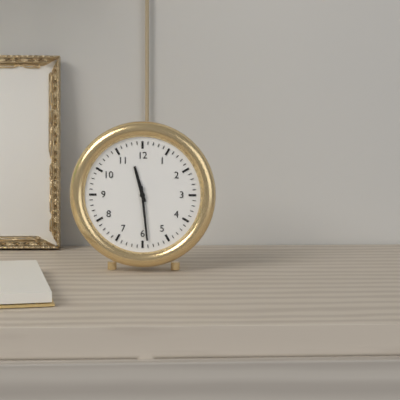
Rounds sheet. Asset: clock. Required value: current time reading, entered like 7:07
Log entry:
11:29
